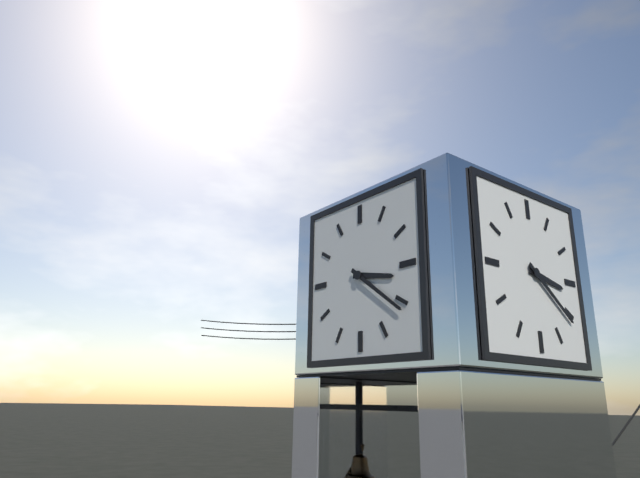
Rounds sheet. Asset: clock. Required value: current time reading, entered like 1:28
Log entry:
3:21
